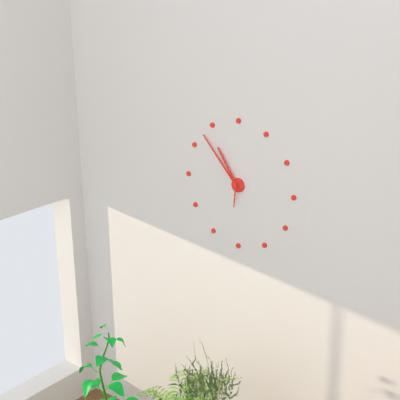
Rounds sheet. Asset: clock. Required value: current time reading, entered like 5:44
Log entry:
10:53
